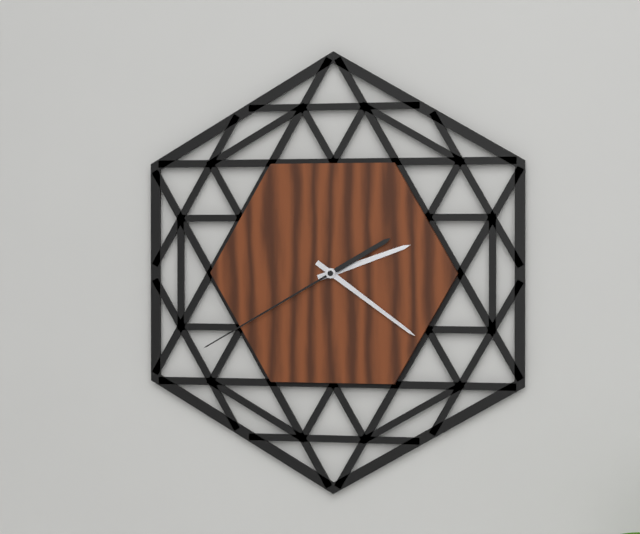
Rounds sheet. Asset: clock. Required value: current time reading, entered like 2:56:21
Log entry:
2:21:40
